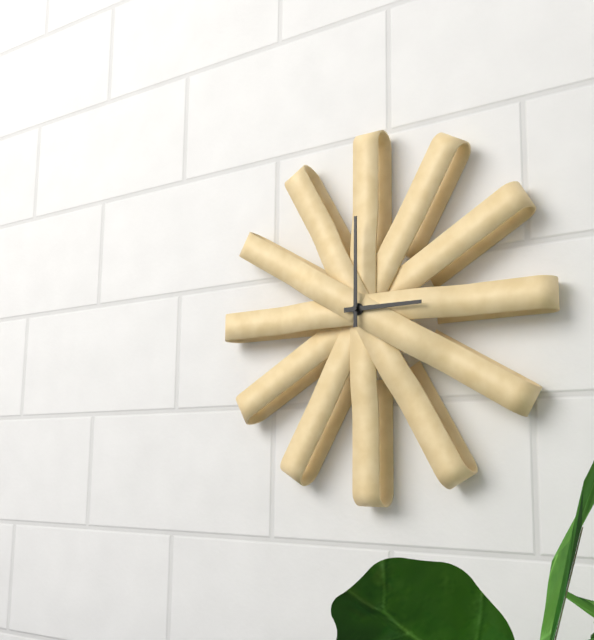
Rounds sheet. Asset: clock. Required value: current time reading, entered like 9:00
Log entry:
3:00
